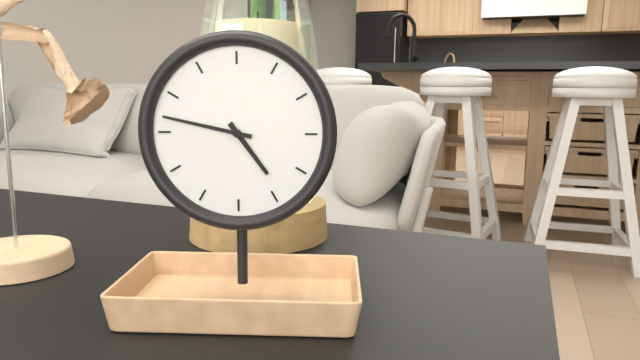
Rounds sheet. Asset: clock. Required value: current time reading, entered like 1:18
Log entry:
4:47
